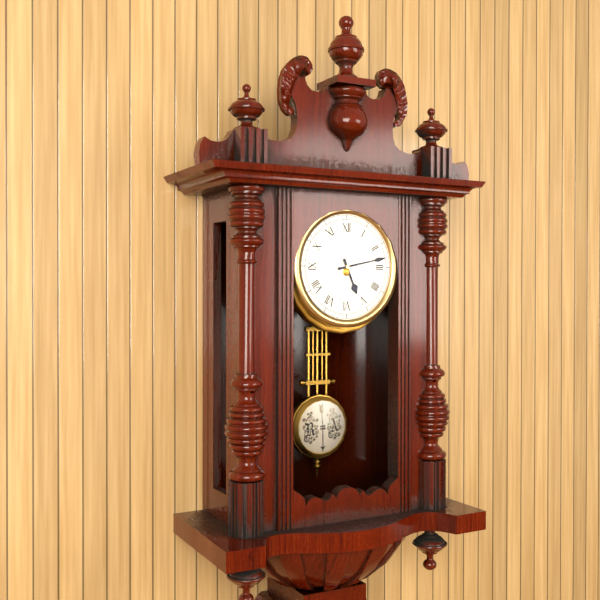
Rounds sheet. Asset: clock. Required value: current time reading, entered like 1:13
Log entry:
5:13
